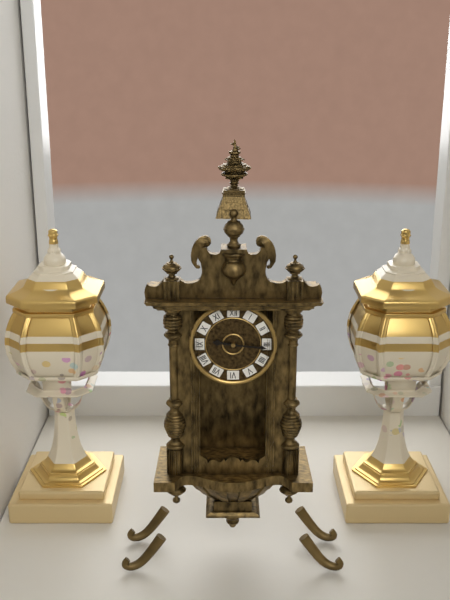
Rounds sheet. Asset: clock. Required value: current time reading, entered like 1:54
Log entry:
9:16
